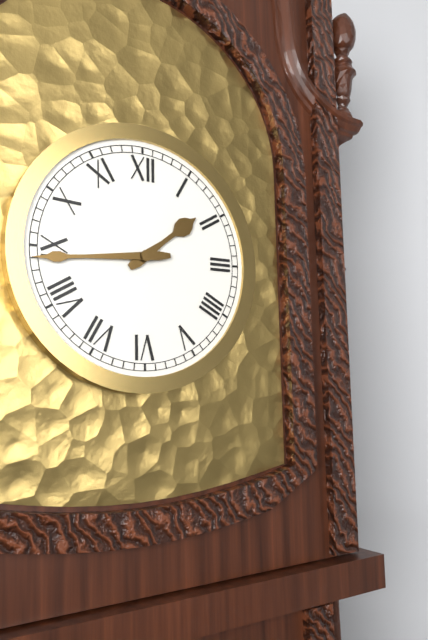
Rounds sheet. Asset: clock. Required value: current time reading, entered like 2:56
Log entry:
1:44
